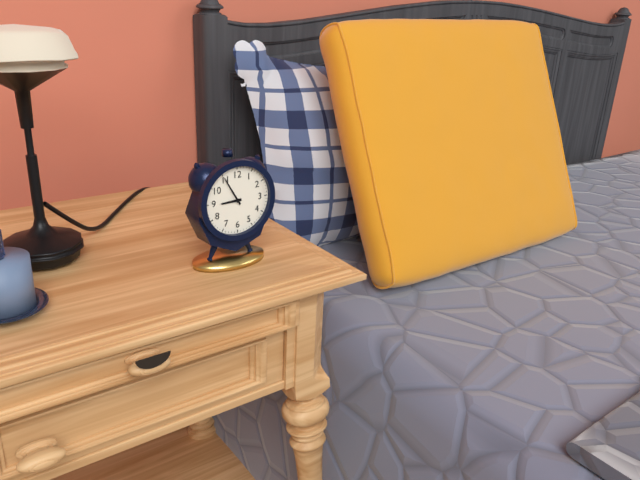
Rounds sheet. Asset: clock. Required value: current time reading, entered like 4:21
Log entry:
8:55
